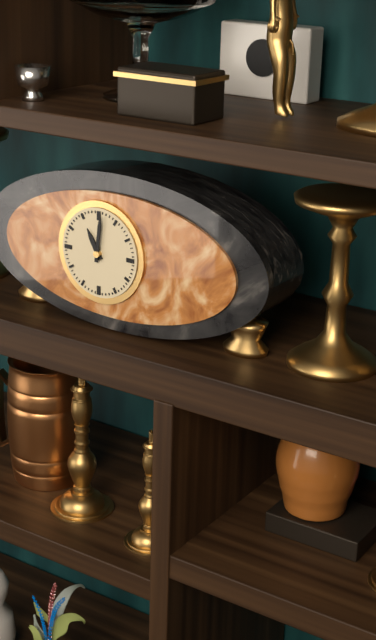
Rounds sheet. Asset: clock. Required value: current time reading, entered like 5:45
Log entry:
11:01
